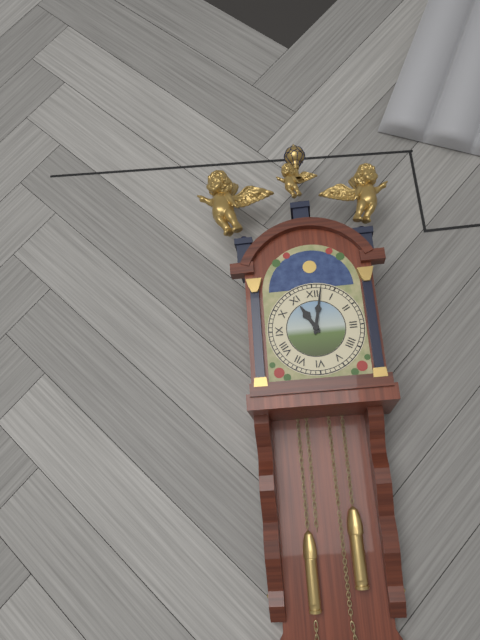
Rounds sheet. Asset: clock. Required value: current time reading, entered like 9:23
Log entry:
11:02
